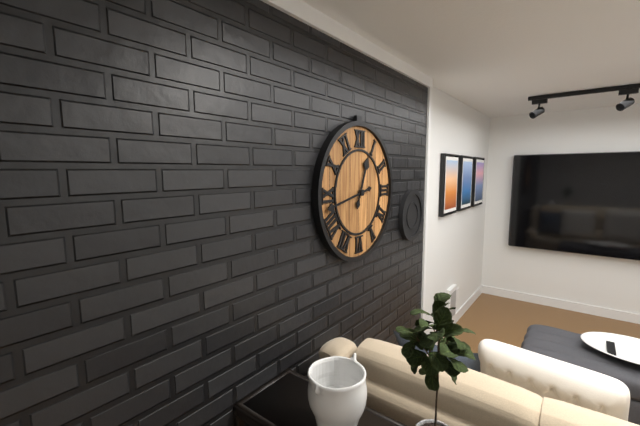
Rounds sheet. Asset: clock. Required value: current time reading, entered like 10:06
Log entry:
12:43
